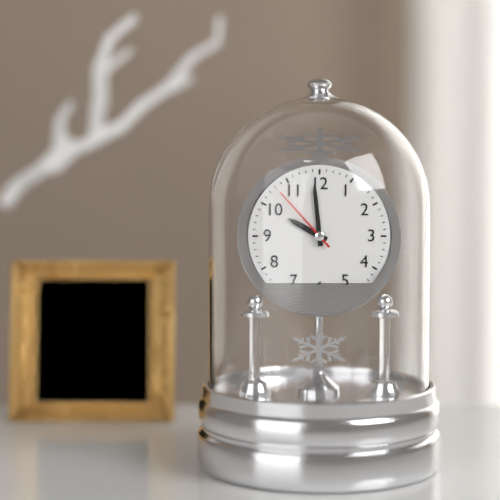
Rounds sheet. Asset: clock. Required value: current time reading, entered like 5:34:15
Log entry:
9:59:53
